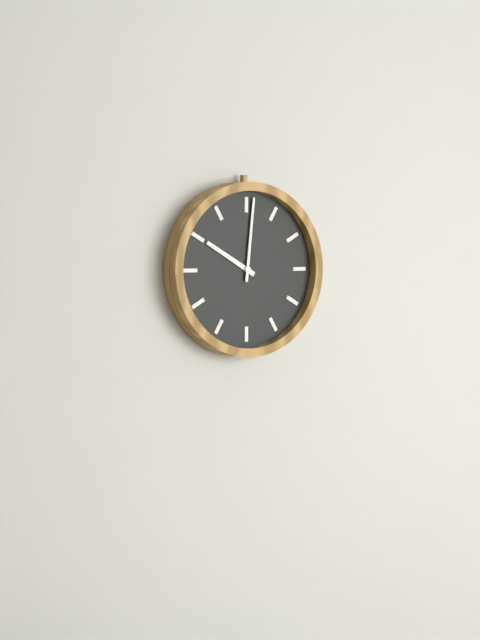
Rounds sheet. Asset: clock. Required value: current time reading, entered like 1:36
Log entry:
10:01
